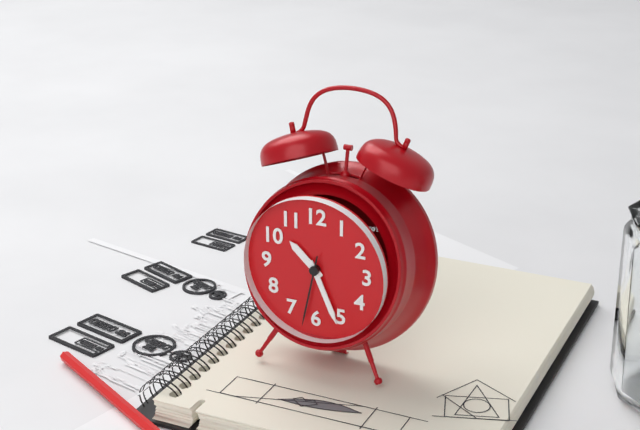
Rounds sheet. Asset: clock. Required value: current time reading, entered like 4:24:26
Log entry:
10:26:32
